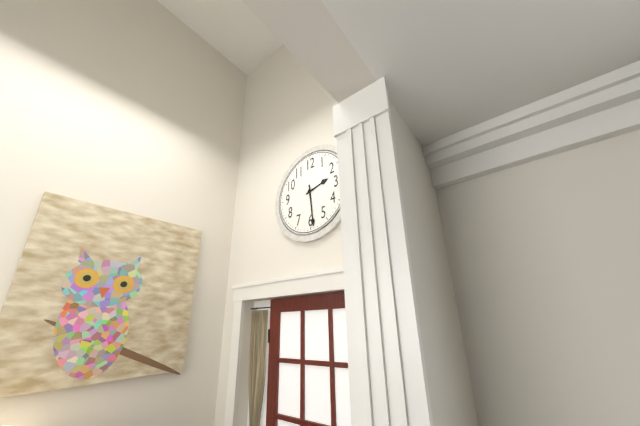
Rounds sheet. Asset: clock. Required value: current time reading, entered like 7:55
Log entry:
2:29
